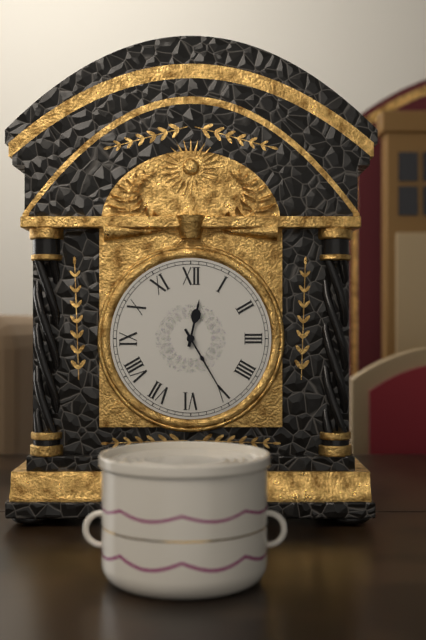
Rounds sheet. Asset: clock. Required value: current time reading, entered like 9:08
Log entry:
12:25
